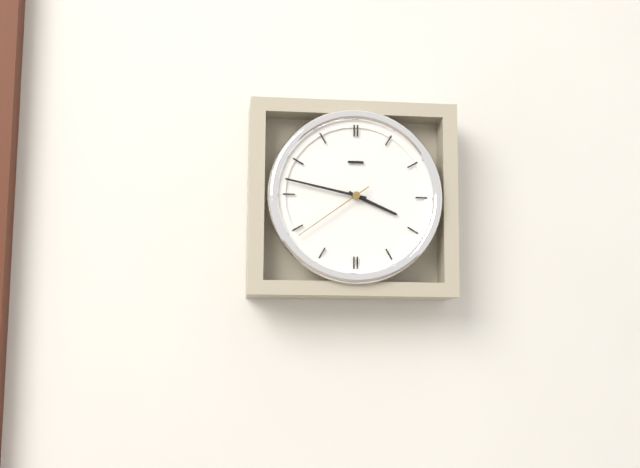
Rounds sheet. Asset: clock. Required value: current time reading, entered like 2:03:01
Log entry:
3:47:39
